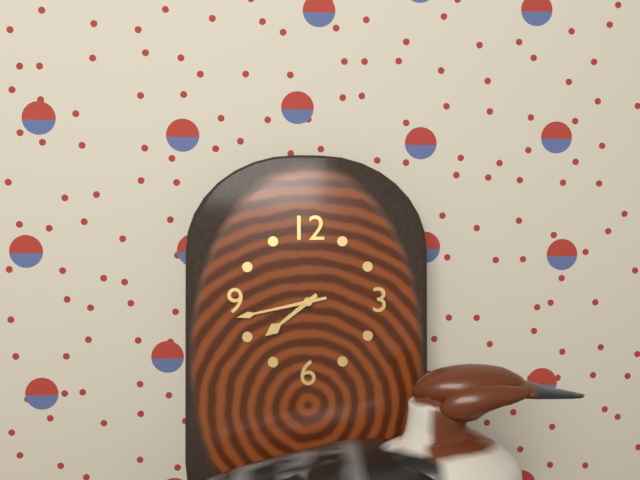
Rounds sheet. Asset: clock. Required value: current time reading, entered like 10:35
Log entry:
7:43
